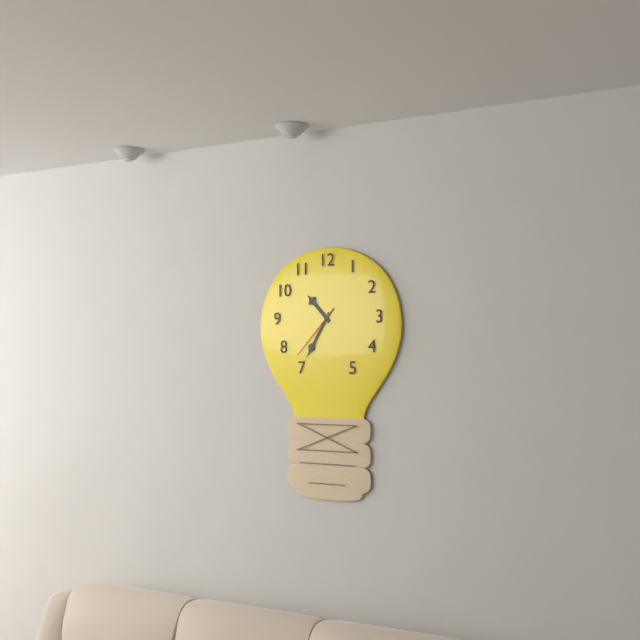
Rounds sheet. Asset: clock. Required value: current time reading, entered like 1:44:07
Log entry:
10:35:37
